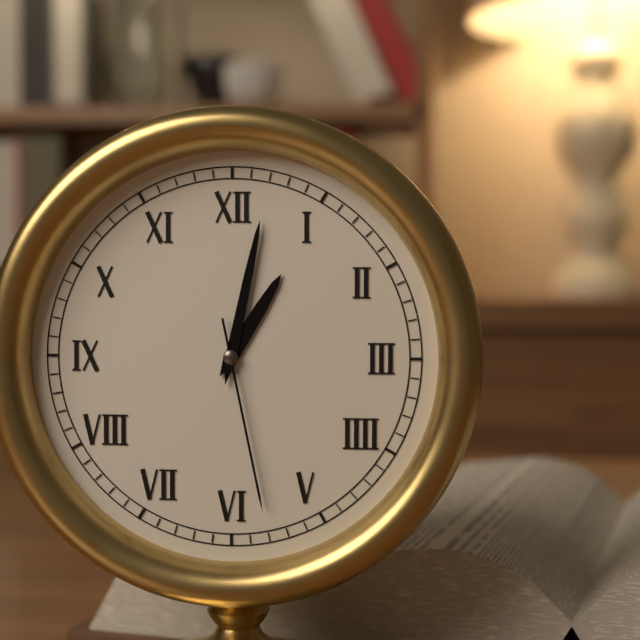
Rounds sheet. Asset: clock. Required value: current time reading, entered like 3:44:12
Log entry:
1:02:28
